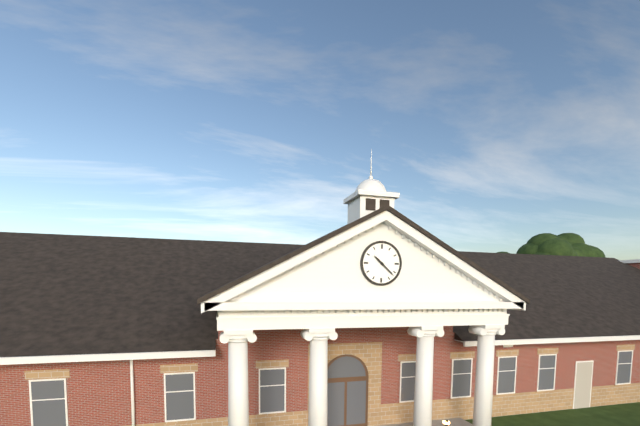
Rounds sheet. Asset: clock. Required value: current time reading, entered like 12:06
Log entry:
10:22
